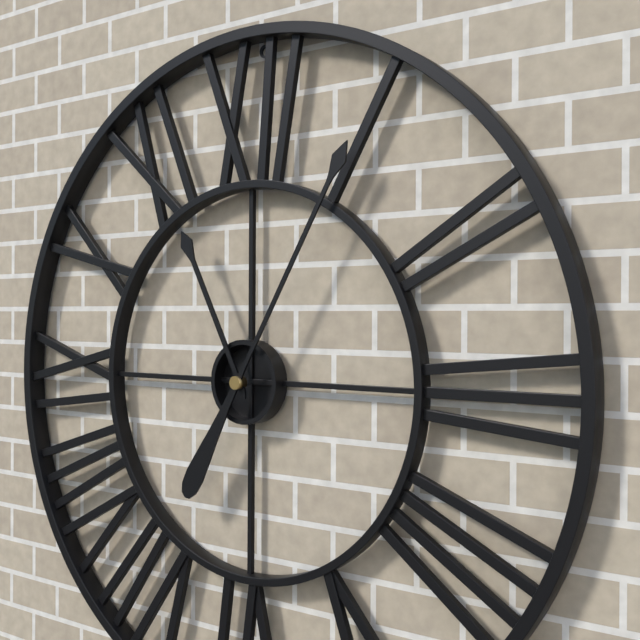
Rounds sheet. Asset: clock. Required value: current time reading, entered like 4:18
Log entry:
11:05
